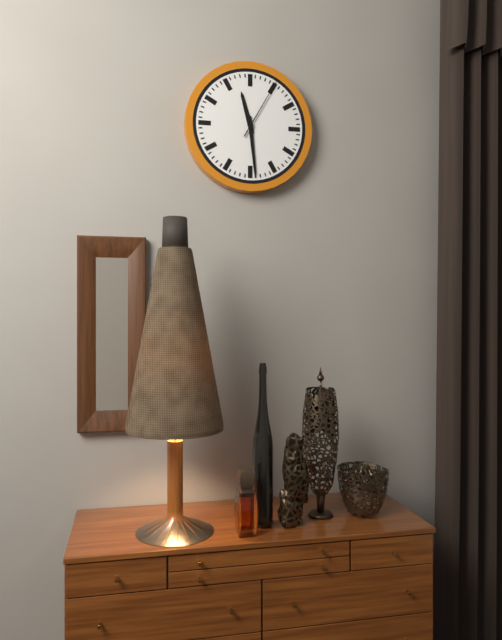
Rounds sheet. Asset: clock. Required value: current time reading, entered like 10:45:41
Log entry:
11:29:05
